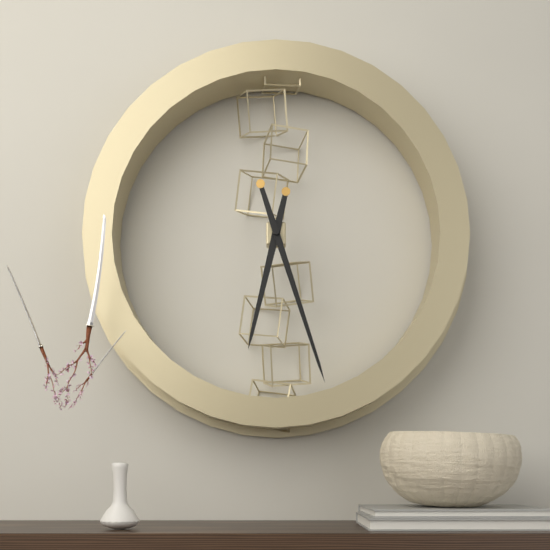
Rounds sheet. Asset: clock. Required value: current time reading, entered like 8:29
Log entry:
6:27
